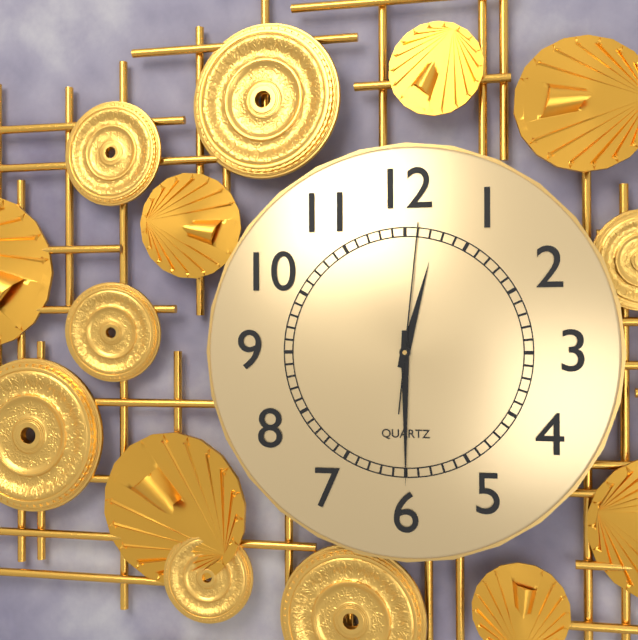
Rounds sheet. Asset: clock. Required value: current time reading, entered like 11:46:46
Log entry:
12:30:01
